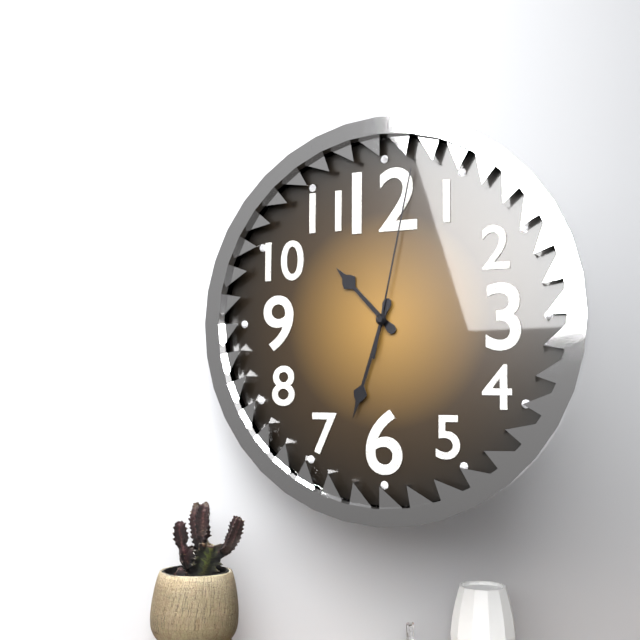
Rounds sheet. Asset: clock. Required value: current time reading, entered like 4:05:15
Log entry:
10:33:02
